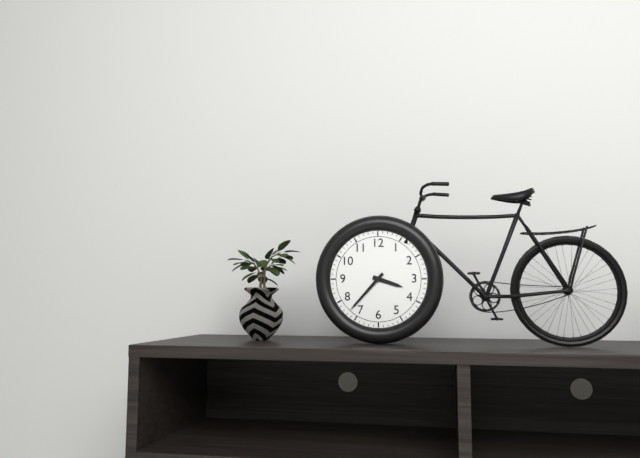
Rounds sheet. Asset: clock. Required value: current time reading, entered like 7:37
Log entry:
3:37
